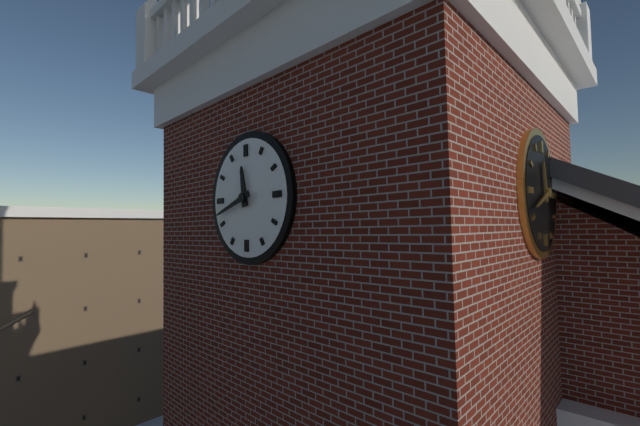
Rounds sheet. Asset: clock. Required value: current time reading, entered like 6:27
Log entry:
11:42
